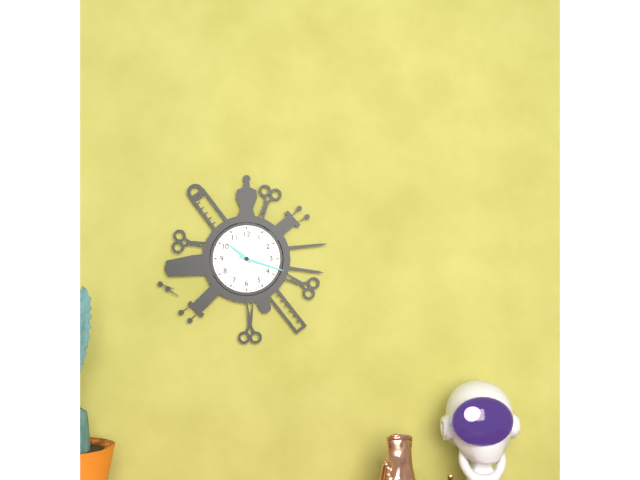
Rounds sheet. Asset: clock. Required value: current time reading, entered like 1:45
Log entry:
10:18
